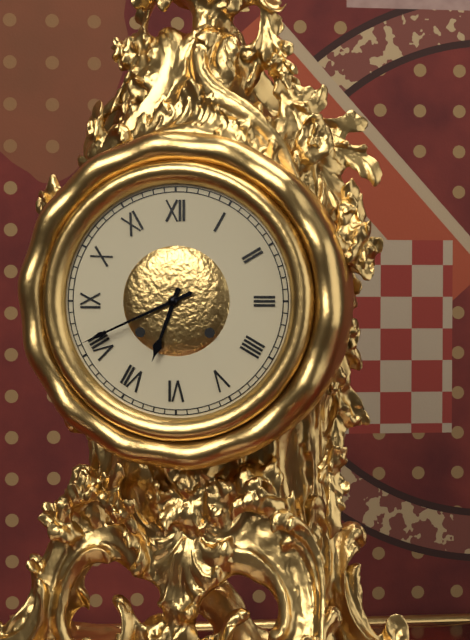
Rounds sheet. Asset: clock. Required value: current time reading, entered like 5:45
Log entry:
6:41
